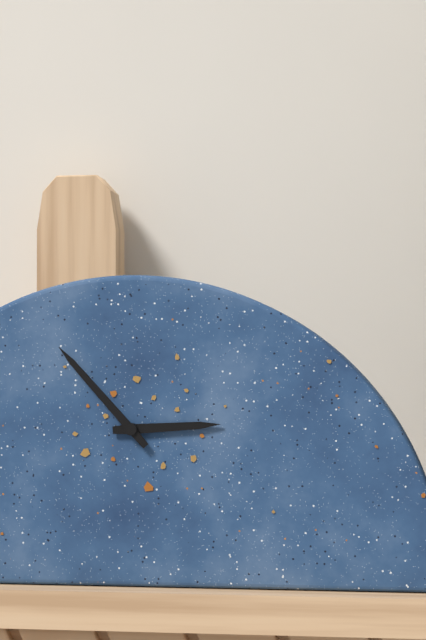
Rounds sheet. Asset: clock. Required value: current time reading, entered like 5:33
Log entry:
2:53
